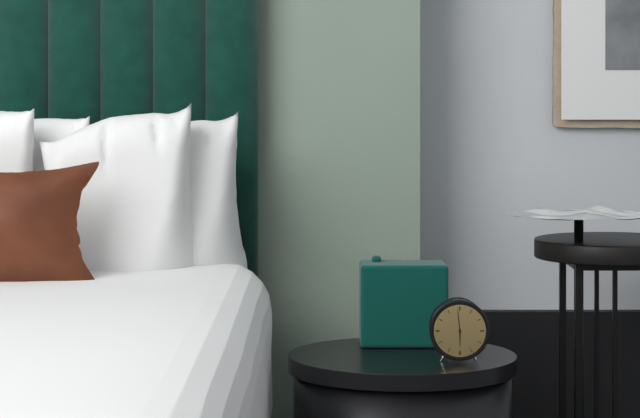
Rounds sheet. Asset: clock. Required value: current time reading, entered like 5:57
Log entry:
5:59
